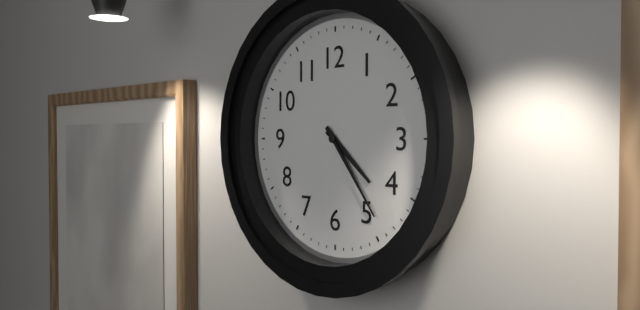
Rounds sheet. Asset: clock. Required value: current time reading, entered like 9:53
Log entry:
4:24
